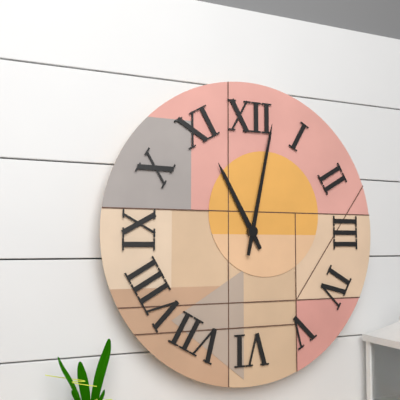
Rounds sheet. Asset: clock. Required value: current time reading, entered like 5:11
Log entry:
11:02
